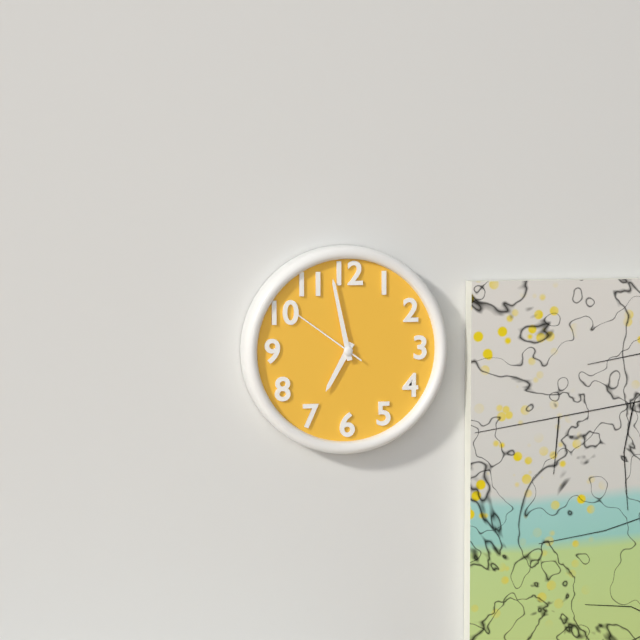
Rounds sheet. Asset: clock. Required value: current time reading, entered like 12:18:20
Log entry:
6:58:51
